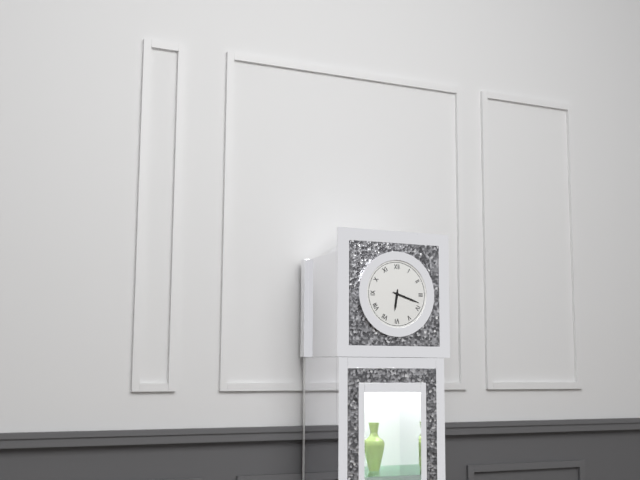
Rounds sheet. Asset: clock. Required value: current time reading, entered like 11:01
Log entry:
6:18
